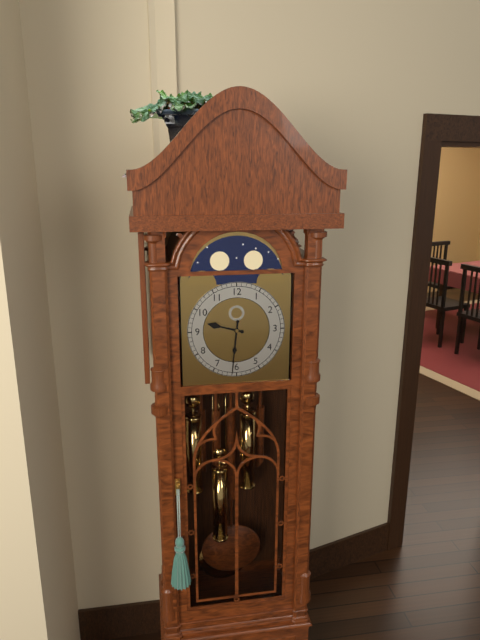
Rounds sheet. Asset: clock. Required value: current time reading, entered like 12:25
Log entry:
9:31
